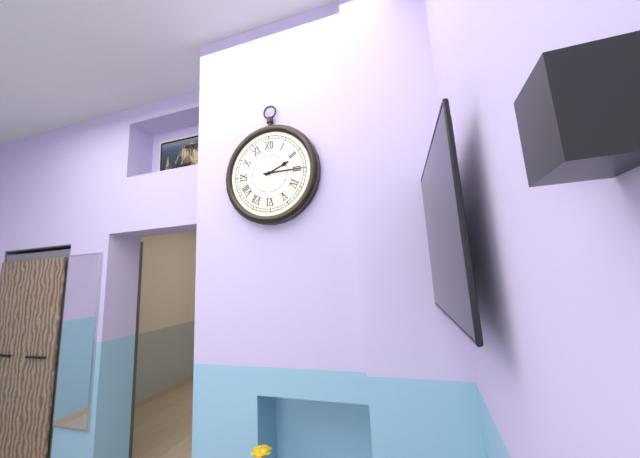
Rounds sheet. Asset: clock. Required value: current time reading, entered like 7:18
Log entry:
2:15
